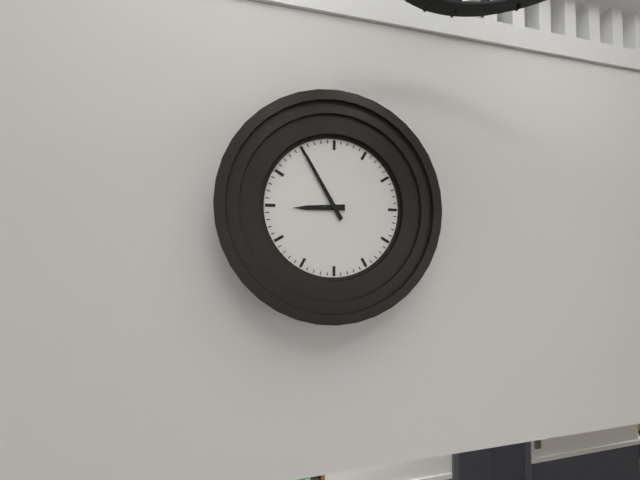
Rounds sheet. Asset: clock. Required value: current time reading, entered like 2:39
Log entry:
8:55
